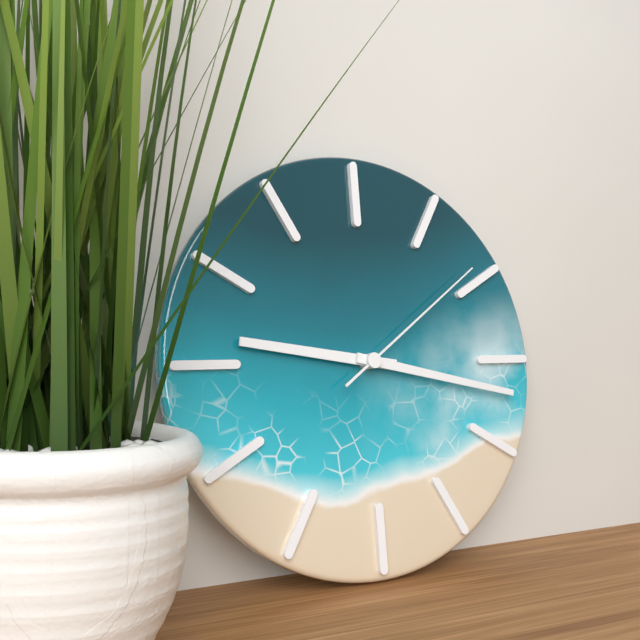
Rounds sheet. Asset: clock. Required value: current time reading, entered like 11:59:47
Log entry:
9:17:09
